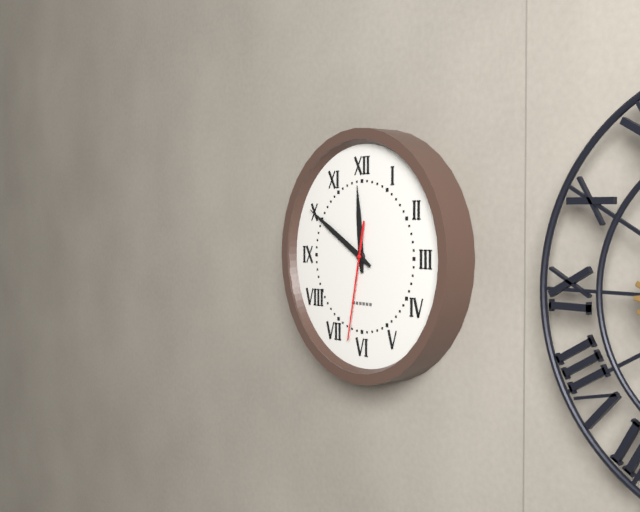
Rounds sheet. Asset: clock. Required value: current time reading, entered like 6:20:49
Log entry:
11:50:32
